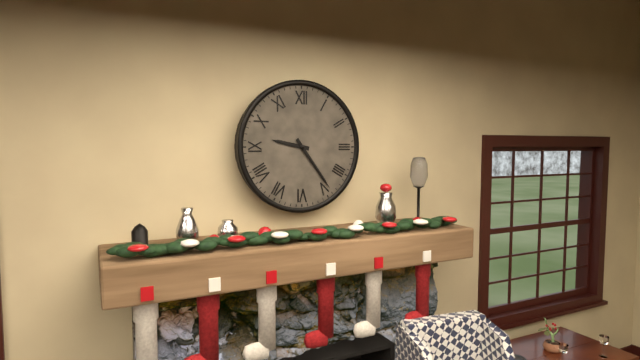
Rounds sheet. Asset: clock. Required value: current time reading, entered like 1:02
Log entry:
9:24
